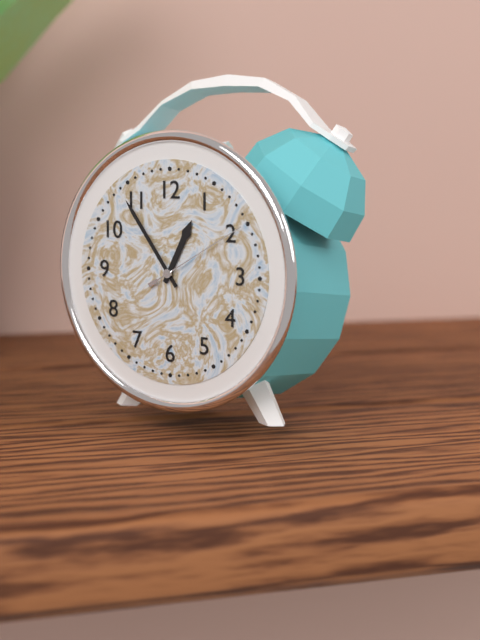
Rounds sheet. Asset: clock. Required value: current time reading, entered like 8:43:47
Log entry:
12:54:10
